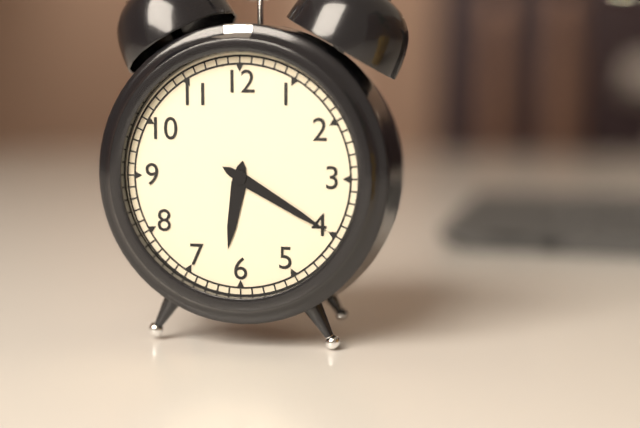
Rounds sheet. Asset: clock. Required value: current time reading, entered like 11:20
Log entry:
6:20
